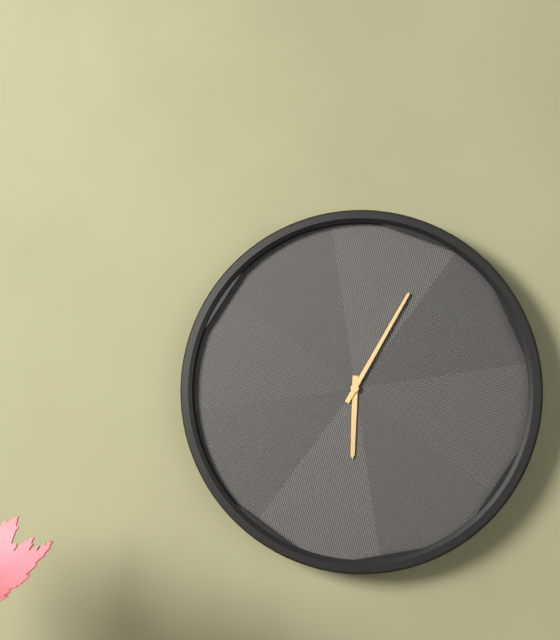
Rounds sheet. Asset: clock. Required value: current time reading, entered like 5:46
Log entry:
6:05
